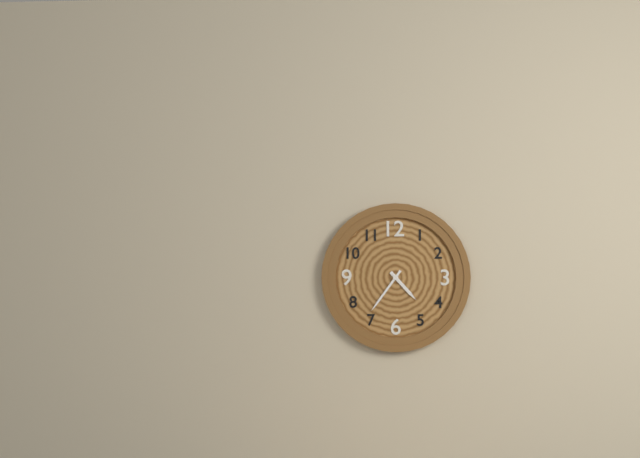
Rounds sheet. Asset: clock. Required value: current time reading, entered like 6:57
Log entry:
4:36
